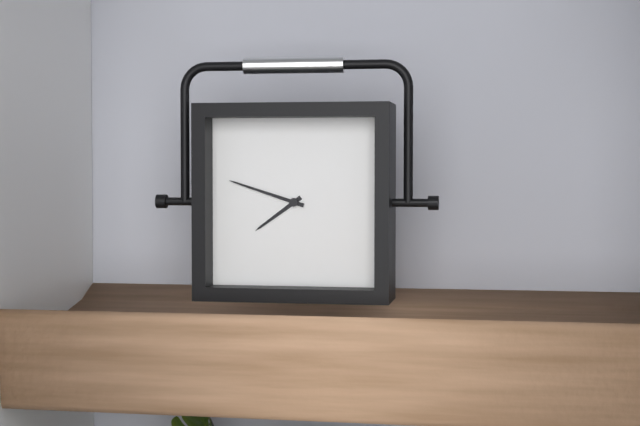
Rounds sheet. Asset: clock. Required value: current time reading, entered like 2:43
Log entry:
7:48
